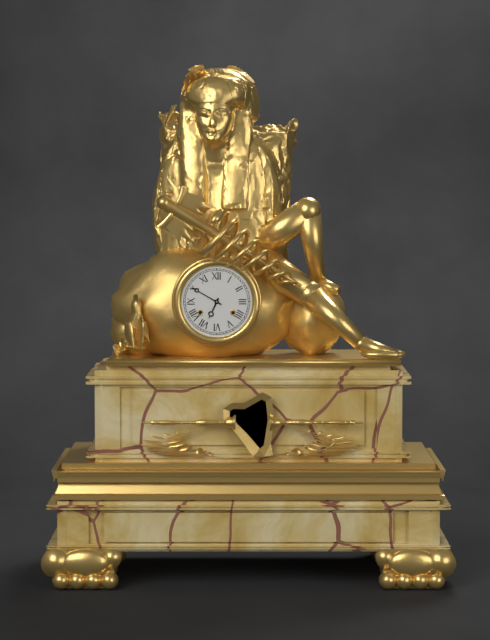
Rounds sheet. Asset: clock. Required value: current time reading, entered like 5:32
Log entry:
6:50
